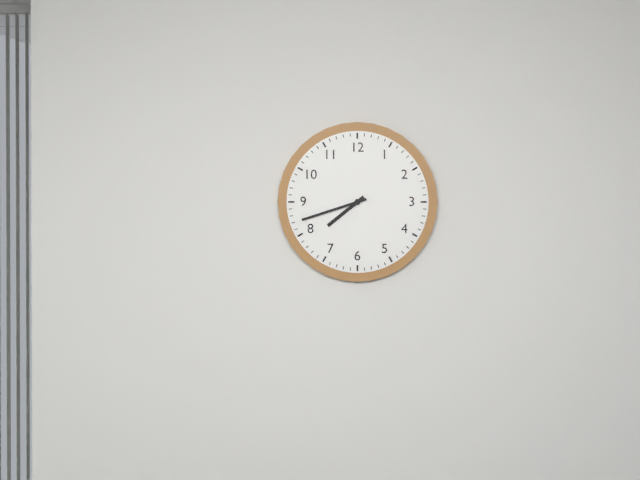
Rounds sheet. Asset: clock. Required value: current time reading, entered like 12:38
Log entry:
7:42
